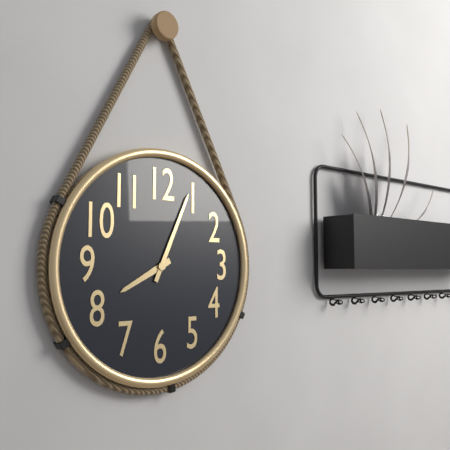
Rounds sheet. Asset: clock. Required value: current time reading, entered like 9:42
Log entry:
8:04
